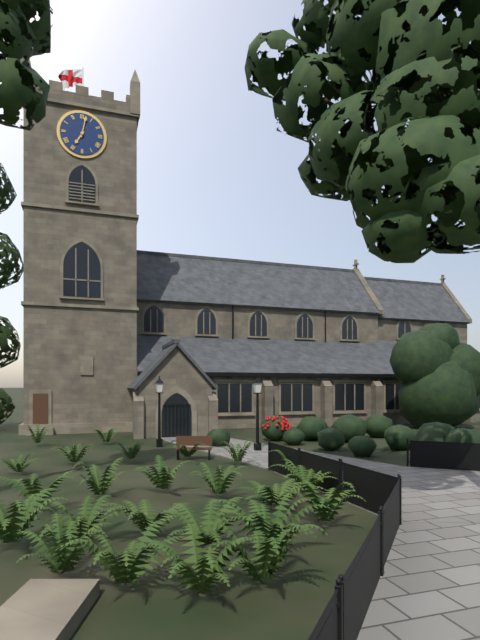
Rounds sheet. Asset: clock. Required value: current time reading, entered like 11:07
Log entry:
7:02
